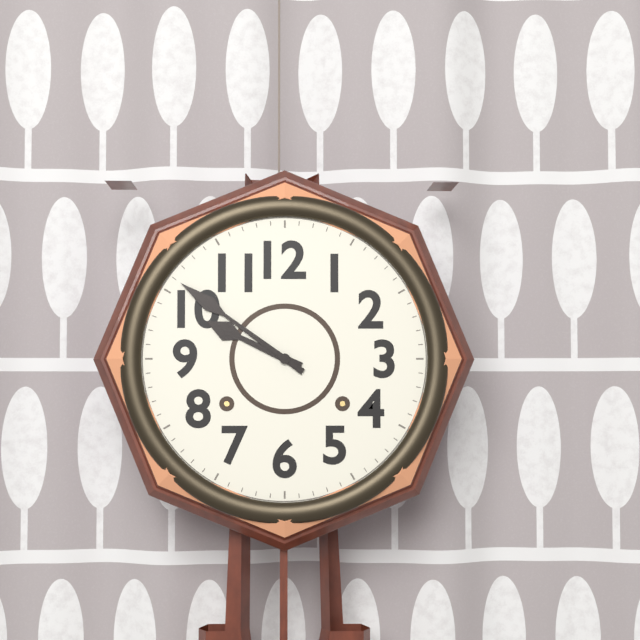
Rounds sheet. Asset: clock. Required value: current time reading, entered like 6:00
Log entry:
9:51
